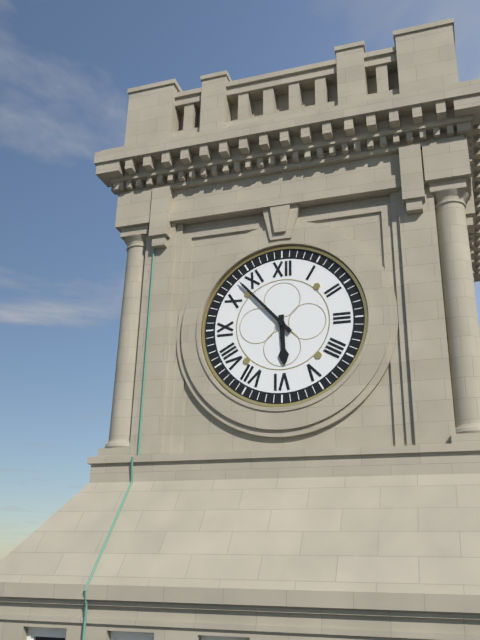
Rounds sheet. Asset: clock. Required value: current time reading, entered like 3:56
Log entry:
5:53
